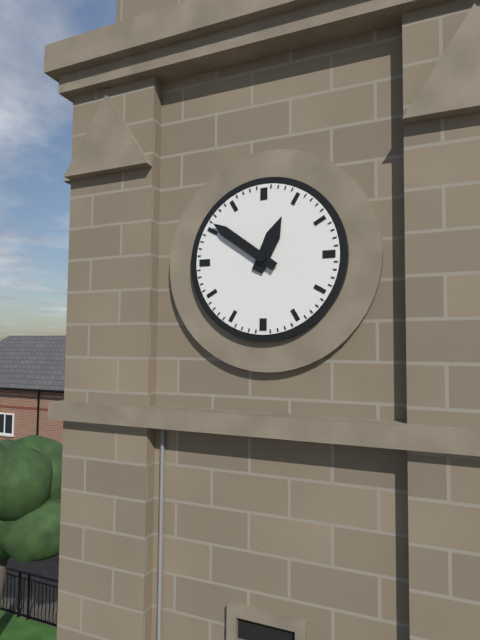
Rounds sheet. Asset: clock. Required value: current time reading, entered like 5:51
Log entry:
12:51
